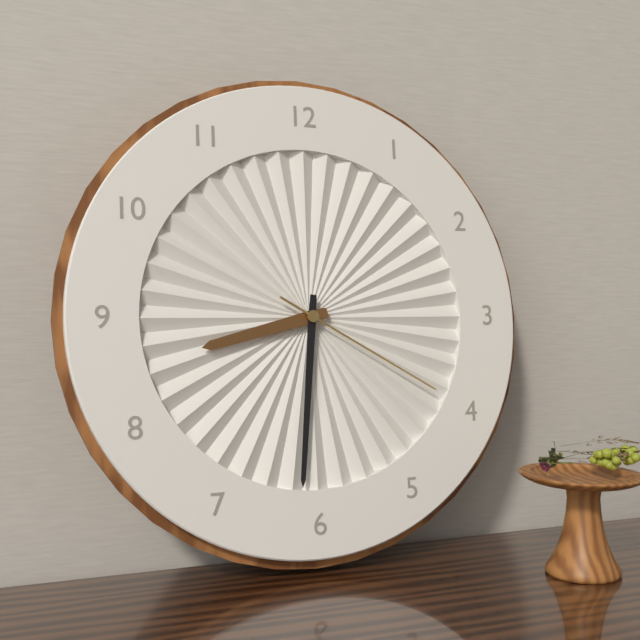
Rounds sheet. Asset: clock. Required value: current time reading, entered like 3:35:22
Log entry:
8:31:20
